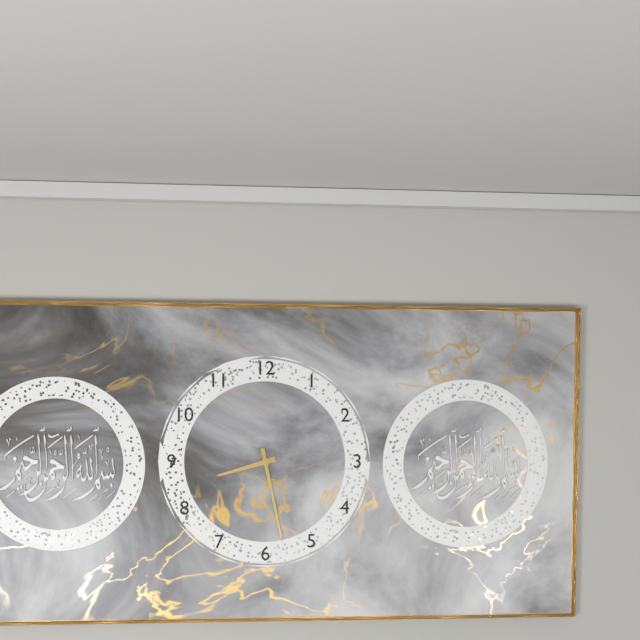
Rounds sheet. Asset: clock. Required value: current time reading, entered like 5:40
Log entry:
8:28
